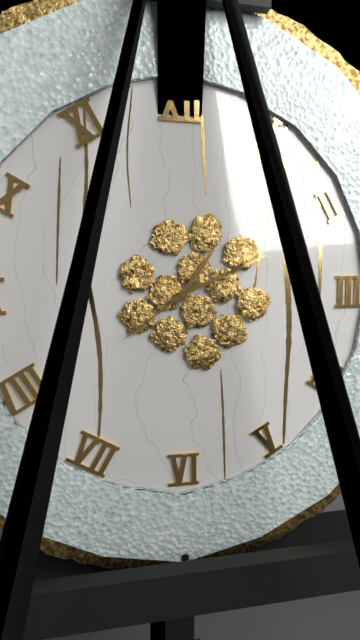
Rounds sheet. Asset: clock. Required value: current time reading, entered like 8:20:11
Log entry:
1:11:39
